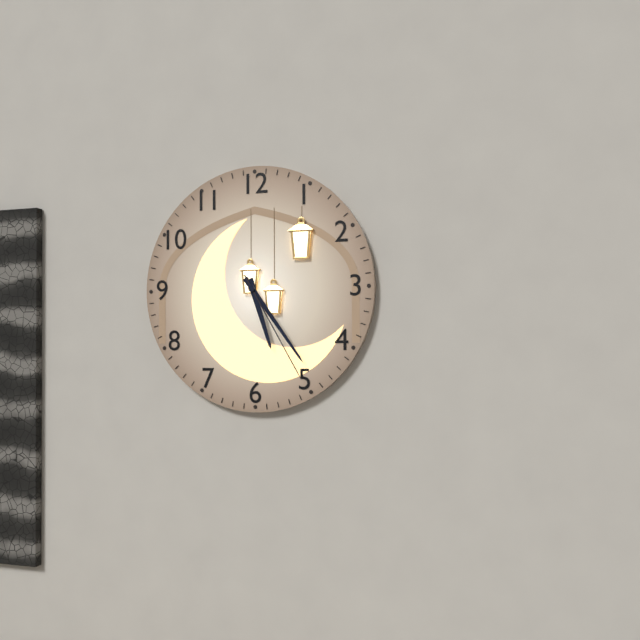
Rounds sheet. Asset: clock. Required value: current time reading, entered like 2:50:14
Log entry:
5:24:25
